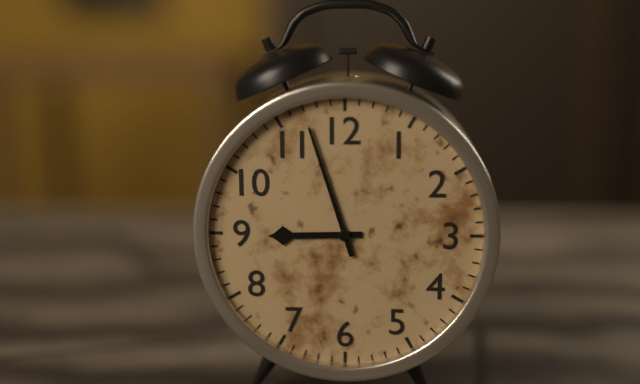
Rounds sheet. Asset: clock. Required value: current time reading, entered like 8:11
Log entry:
8:57
